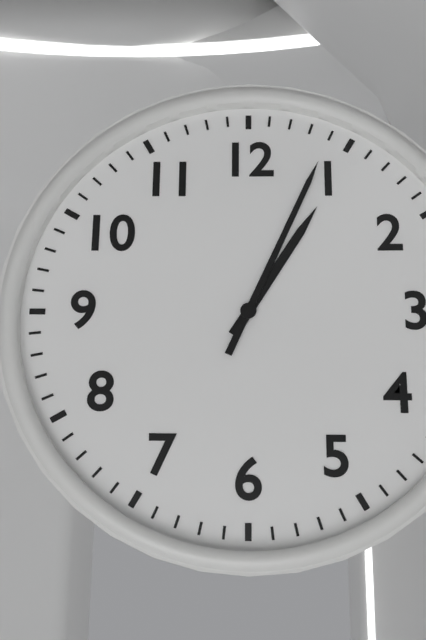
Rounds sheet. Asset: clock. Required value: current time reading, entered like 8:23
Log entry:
1:04
